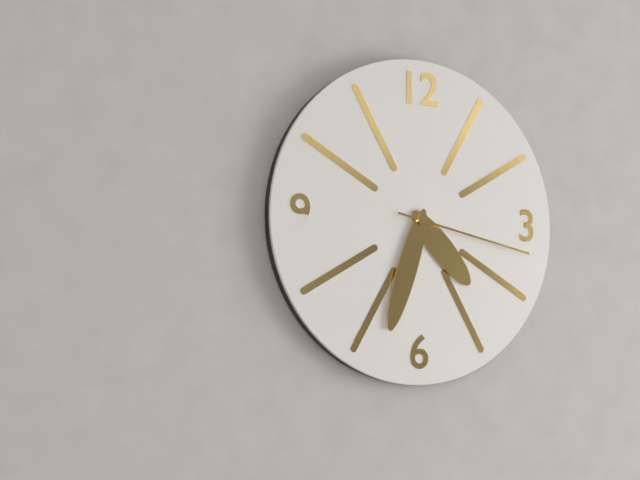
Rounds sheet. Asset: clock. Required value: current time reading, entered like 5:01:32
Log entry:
4:33:17
